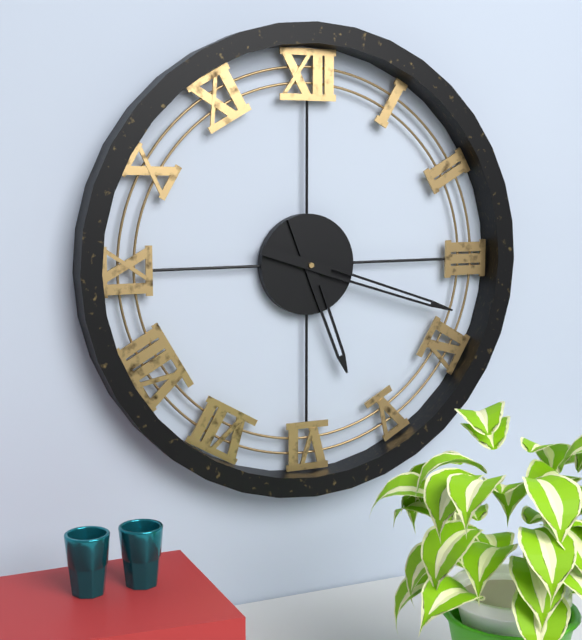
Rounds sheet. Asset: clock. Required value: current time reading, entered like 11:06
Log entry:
5:18
